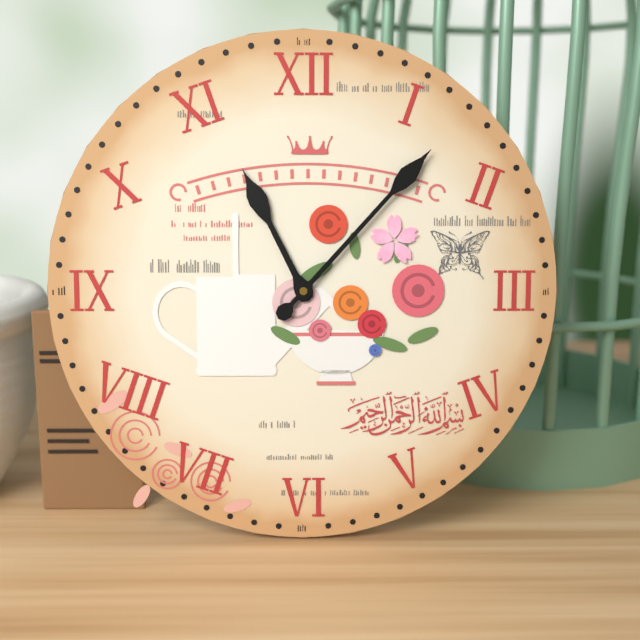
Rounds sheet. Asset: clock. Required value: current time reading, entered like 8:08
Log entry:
11:07
